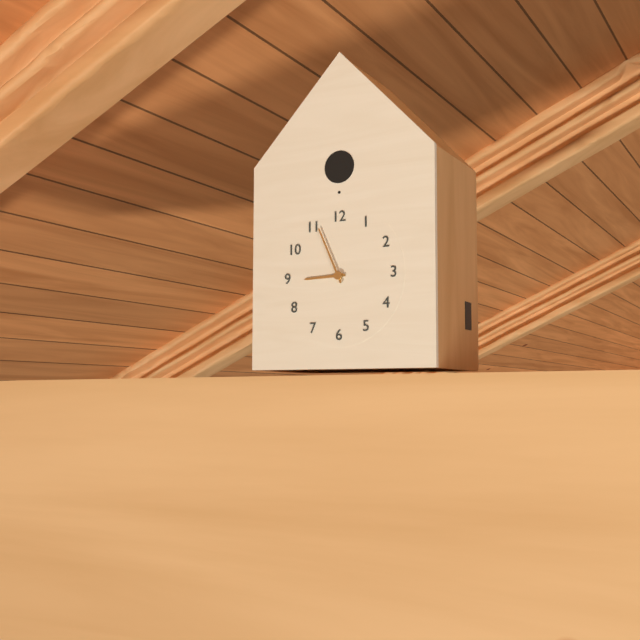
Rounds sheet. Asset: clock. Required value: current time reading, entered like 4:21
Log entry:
8:56
